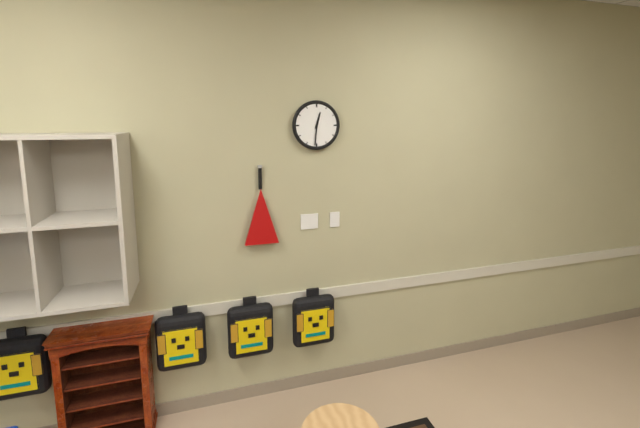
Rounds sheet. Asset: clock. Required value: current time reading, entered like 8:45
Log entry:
12:31
